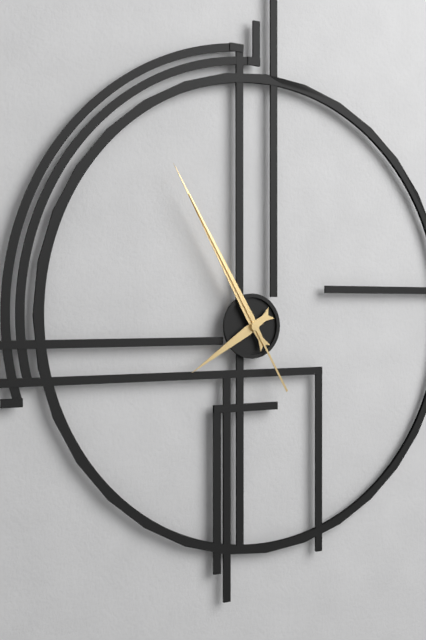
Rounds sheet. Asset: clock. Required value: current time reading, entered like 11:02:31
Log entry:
7:55:55
